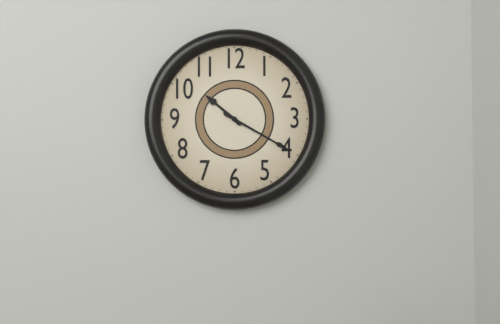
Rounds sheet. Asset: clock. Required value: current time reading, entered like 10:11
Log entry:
10:20
